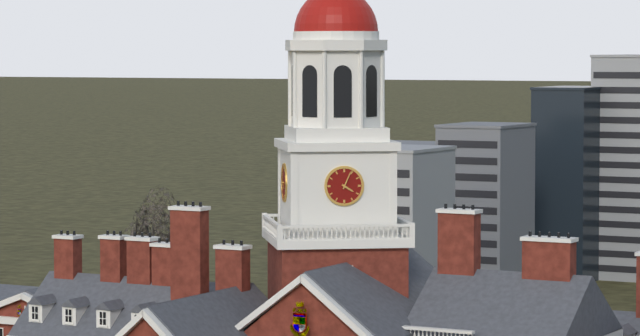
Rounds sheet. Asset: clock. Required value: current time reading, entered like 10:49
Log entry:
4:04
